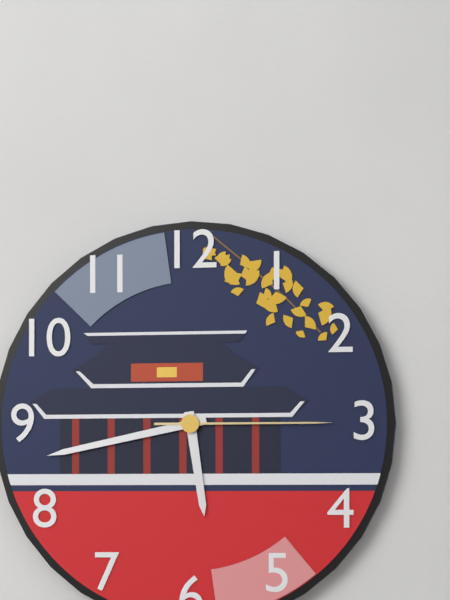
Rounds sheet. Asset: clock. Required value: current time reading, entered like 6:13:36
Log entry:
5:43:15
